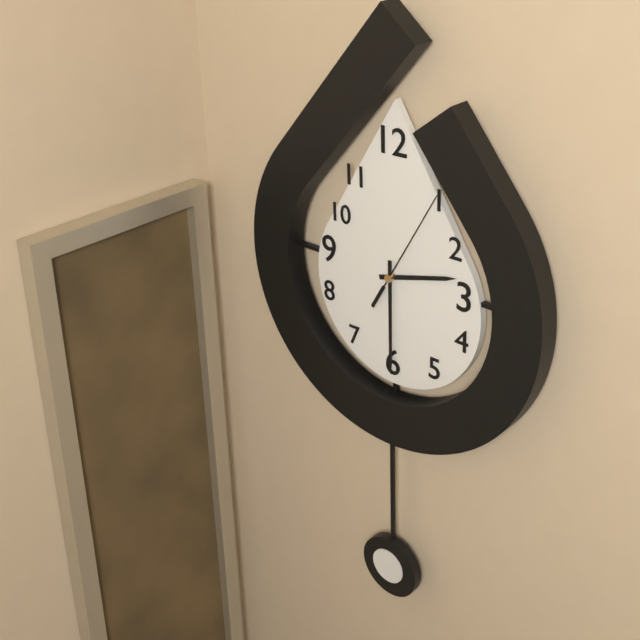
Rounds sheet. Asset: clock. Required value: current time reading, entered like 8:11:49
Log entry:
2:30:05
